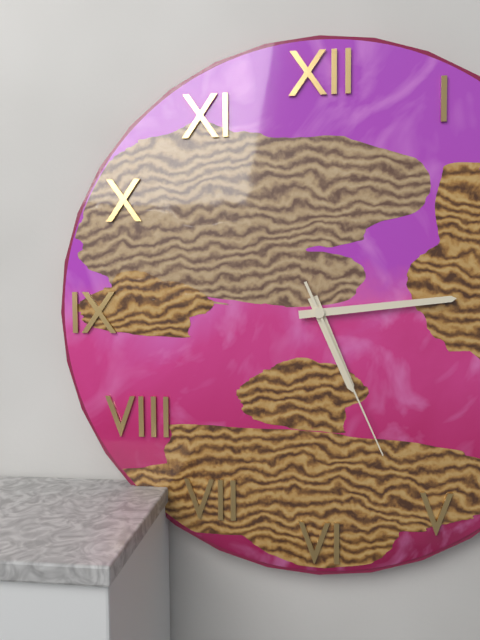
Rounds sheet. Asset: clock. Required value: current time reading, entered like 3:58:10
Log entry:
5:14:26
